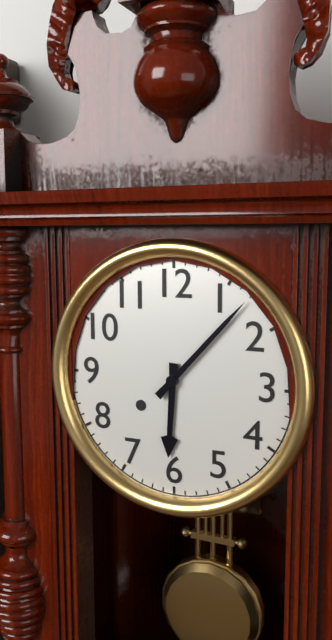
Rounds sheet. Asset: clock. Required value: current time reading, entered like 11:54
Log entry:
6:07
